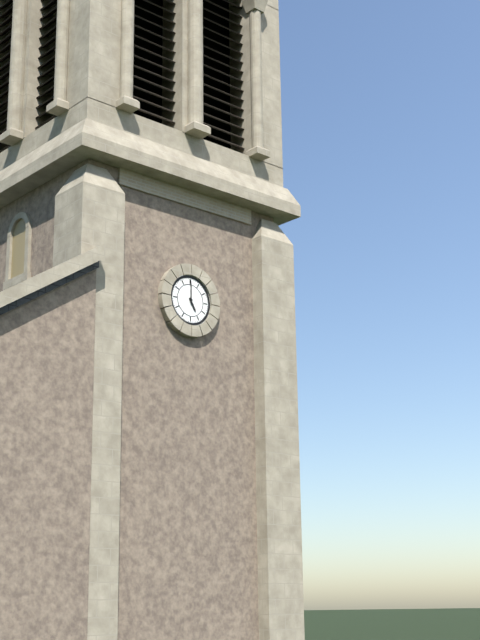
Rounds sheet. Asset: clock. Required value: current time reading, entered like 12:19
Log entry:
5:00
